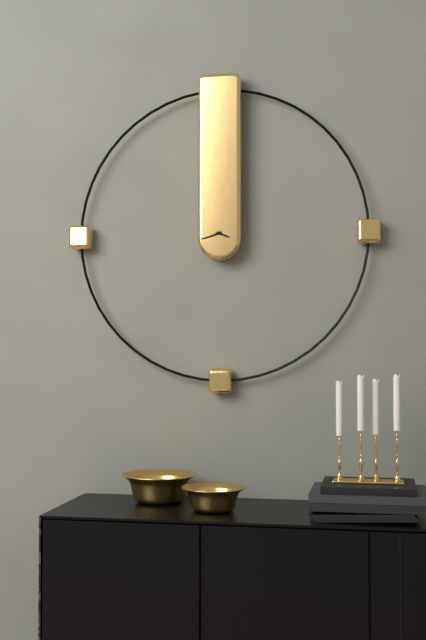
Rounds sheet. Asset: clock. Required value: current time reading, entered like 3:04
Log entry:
3:42
